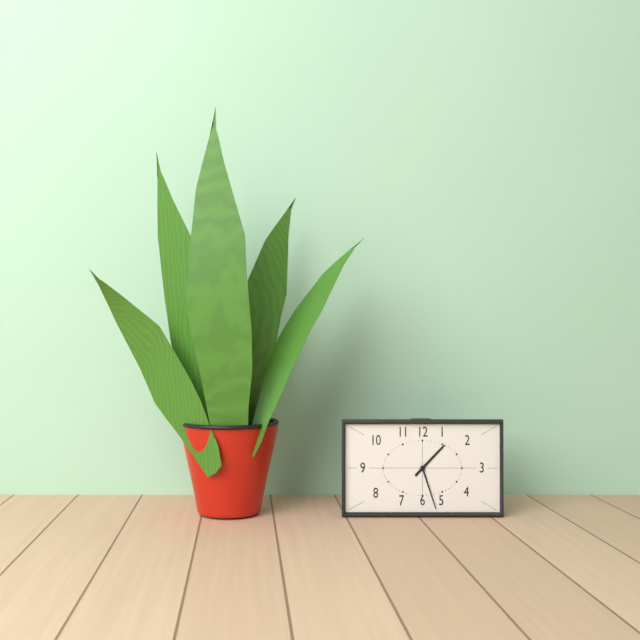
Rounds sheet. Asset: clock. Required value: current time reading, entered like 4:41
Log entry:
1:27
